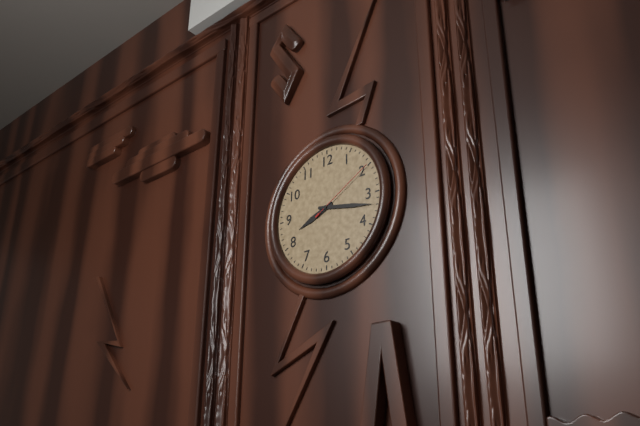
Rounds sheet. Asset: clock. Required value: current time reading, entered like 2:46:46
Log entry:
8:17:10
